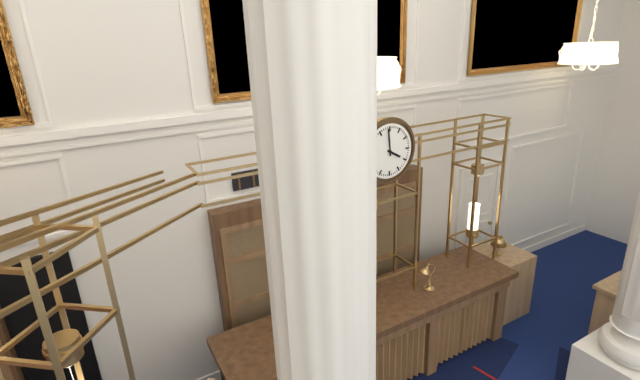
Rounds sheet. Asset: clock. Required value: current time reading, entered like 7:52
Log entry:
3:59
